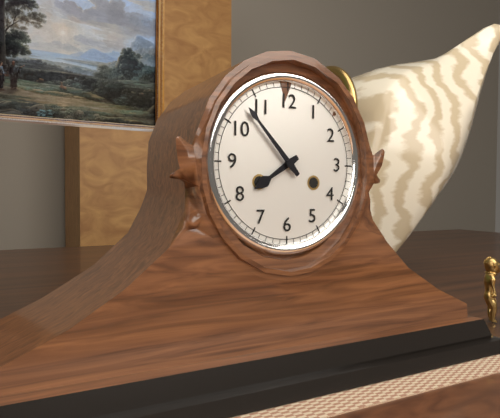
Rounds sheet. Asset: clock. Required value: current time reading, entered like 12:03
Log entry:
7:53
